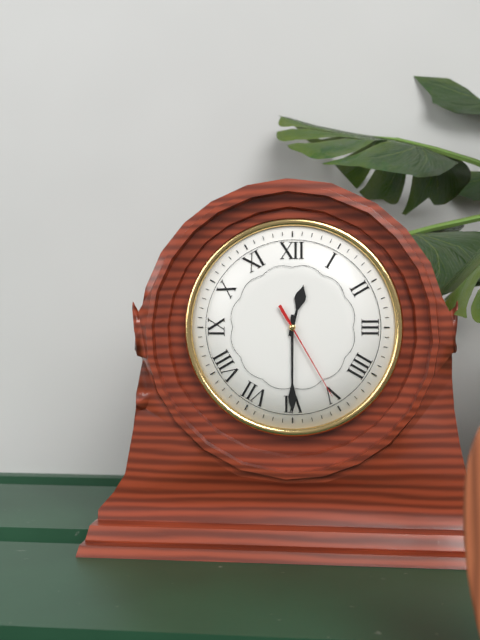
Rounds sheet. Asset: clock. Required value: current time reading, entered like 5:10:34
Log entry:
12:30:25
